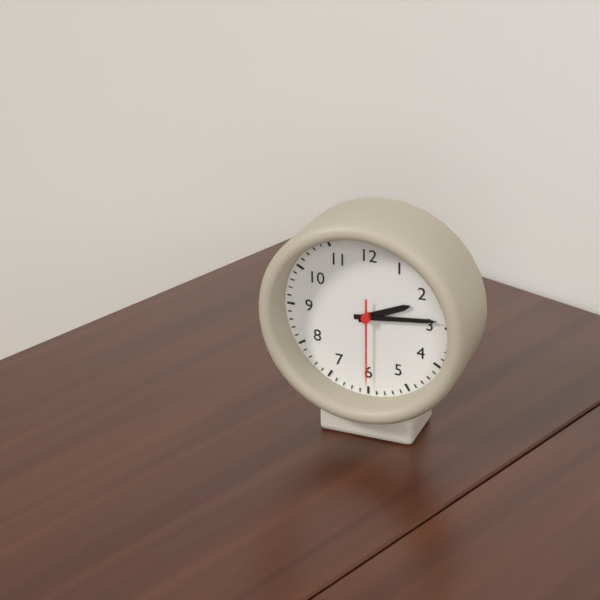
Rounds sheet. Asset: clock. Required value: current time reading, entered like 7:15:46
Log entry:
2:14:30
